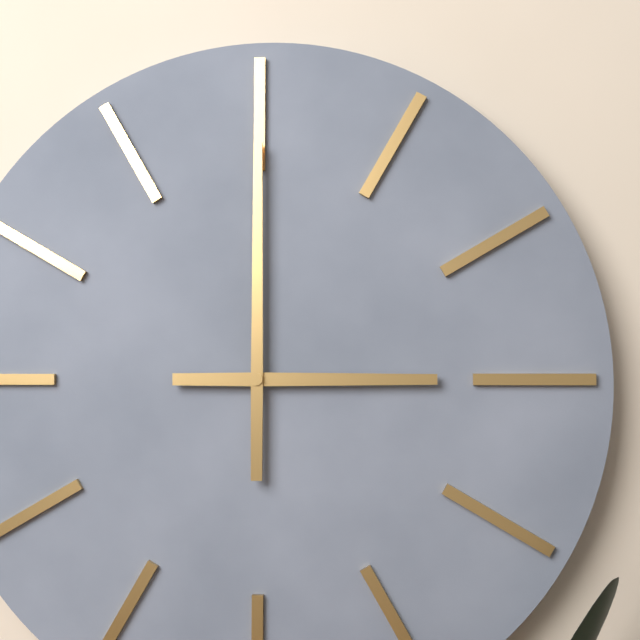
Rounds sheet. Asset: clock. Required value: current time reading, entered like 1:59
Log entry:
3:00
